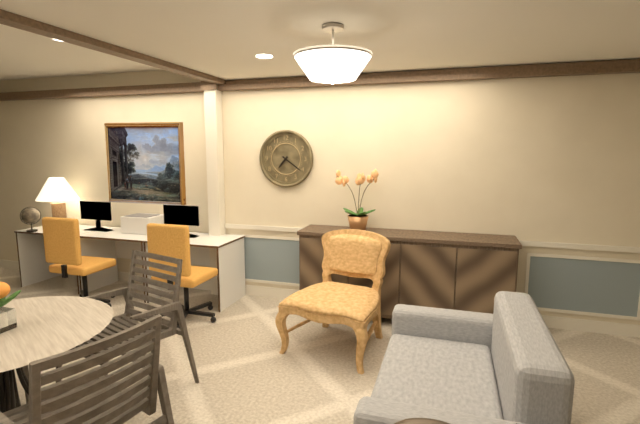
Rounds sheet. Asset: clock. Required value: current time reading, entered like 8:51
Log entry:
7:21
